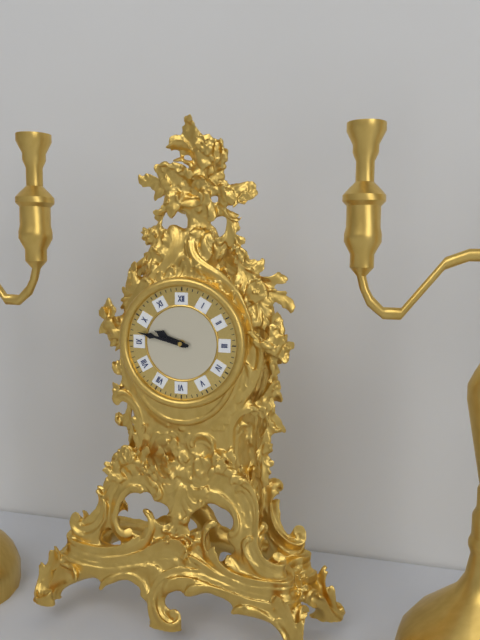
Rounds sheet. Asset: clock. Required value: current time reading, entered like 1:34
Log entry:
9:47
